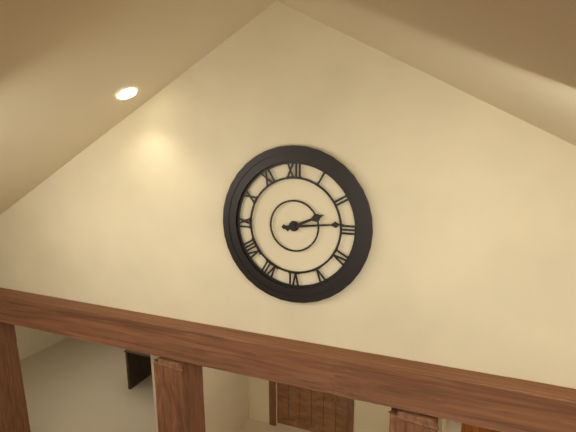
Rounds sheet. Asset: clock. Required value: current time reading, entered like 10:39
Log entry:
2:14
